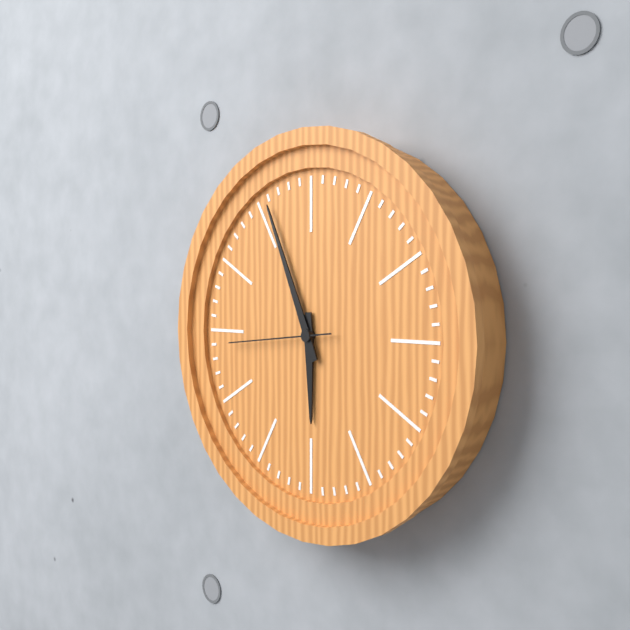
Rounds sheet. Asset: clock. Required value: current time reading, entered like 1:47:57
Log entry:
5:56:44
